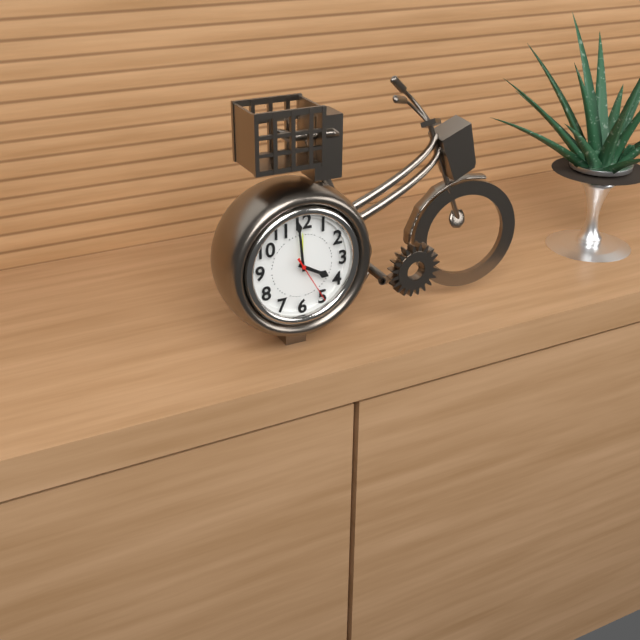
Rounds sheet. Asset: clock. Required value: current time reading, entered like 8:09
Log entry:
3:59
